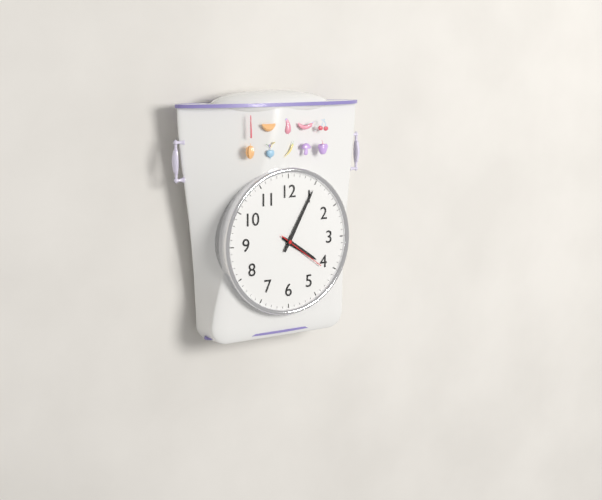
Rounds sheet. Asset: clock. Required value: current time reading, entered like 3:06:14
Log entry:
4:05:21
